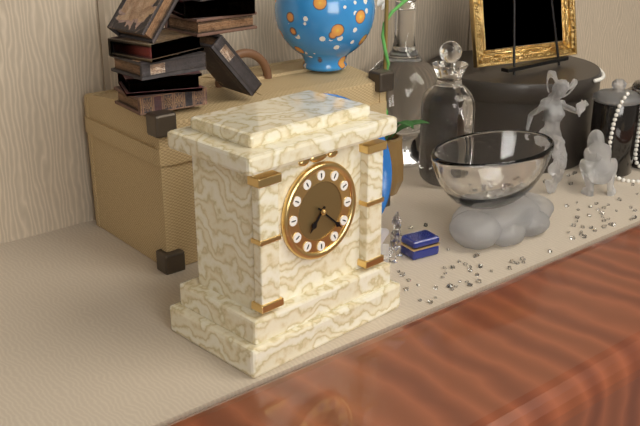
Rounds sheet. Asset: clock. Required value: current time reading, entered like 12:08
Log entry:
7:22
